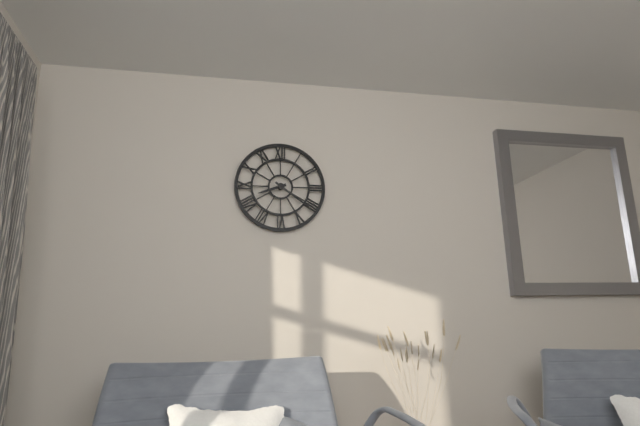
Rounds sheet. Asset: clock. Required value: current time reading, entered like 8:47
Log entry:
8:21
